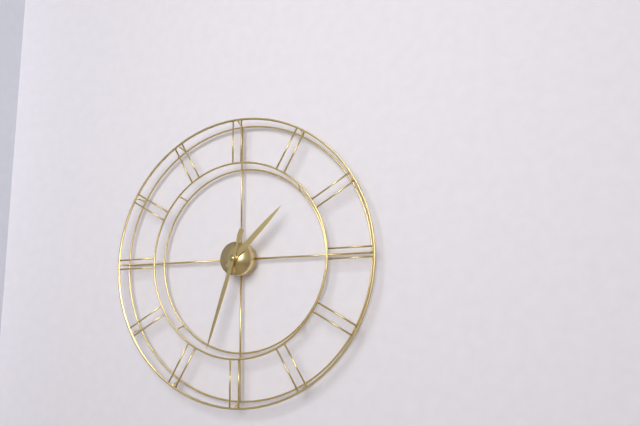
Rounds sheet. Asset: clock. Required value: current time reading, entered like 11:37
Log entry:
1:33
